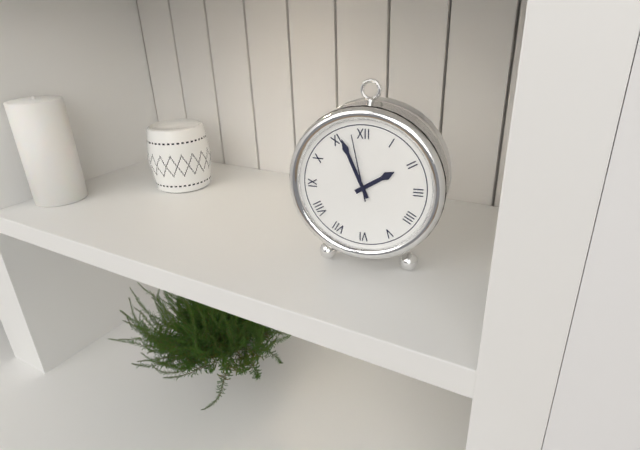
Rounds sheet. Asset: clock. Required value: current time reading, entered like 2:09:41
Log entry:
1:56:58
